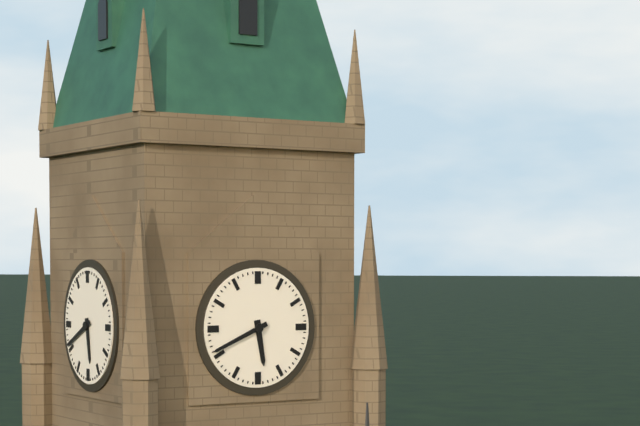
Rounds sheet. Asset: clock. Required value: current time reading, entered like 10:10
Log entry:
5:41
